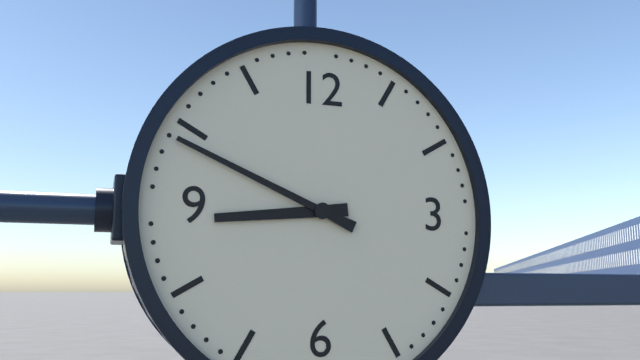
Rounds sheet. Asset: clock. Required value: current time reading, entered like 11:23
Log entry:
8:49
